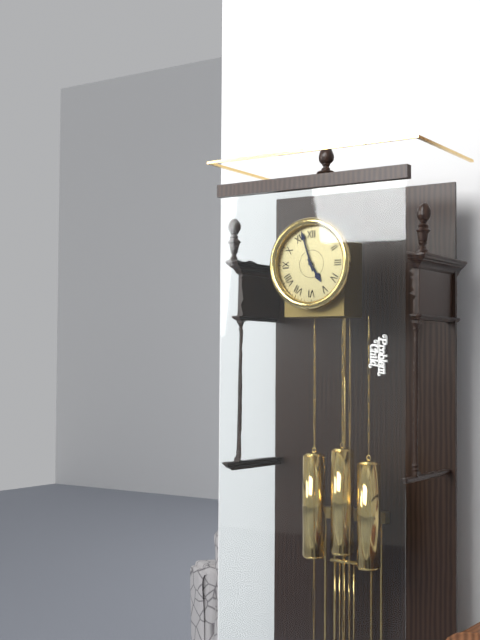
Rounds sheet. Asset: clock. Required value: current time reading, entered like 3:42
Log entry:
4:57
